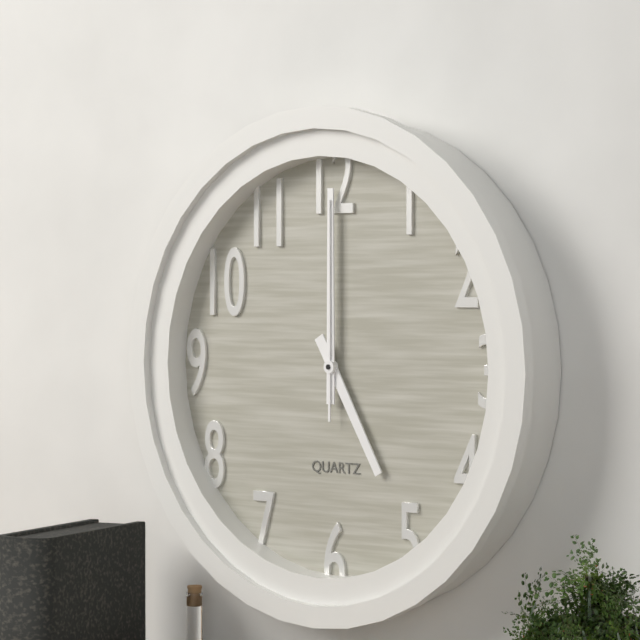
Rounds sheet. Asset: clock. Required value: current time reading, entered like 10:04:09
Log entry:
5:00:00
